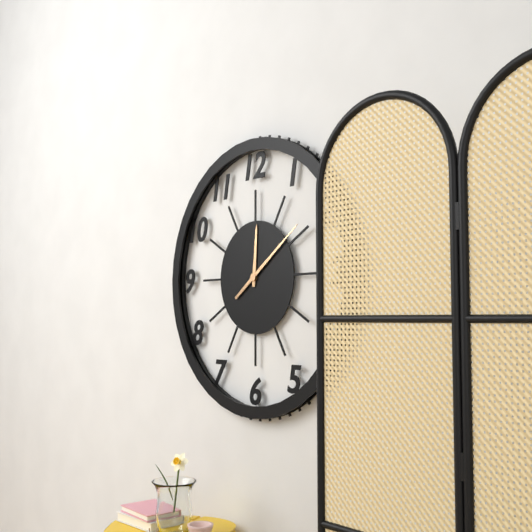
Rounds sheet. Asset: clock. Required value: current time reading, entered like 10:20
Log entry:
12:09
